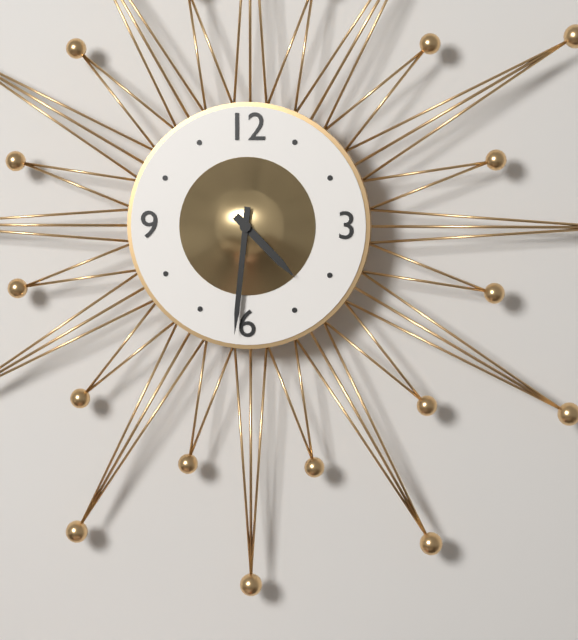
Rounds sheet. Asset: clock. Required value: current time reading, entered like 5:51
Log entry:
4:31
